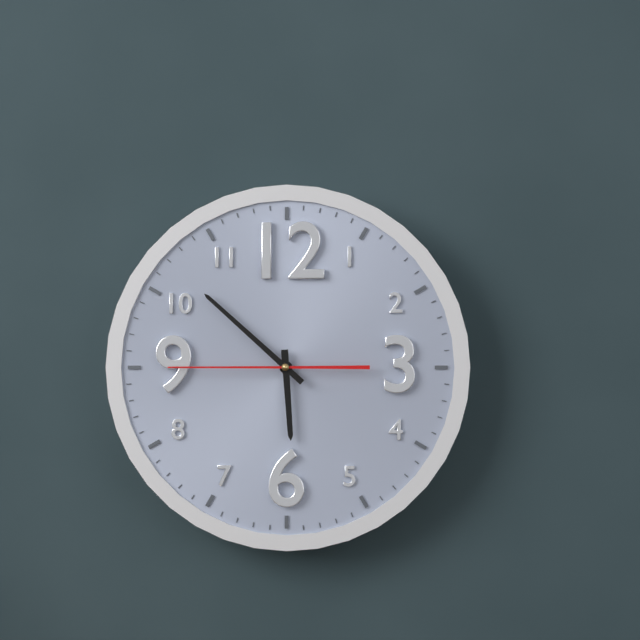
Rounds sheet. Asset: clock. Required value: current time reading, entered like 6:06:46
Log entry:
5:52:45
